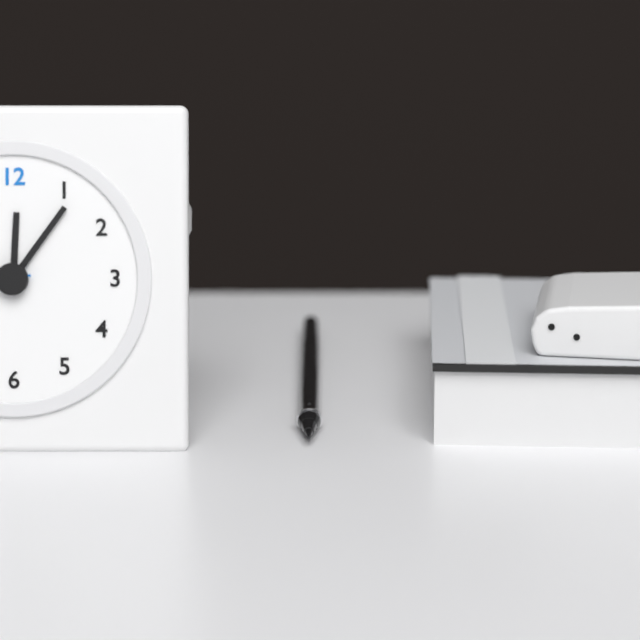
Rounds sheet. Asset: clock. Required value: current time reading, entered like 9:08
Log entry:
12:06
